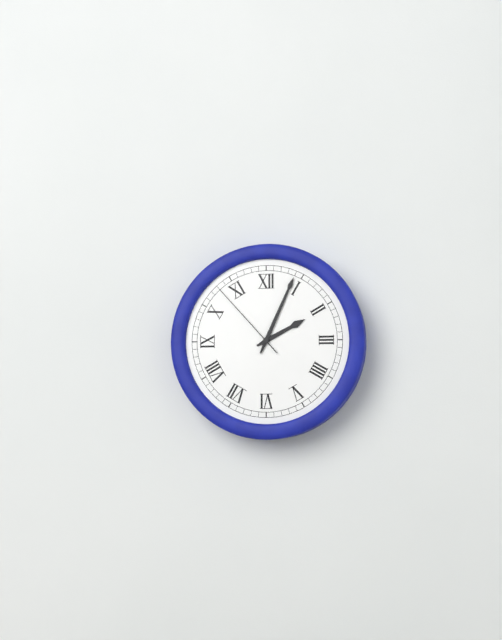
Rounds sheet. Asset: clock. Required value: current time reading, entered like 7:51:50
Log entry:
2:04:53
